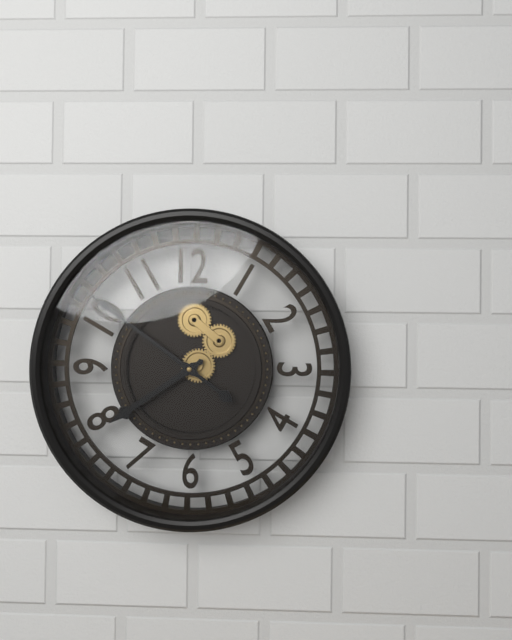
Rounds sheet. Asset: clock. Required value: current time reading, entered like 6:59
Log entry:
7:51
